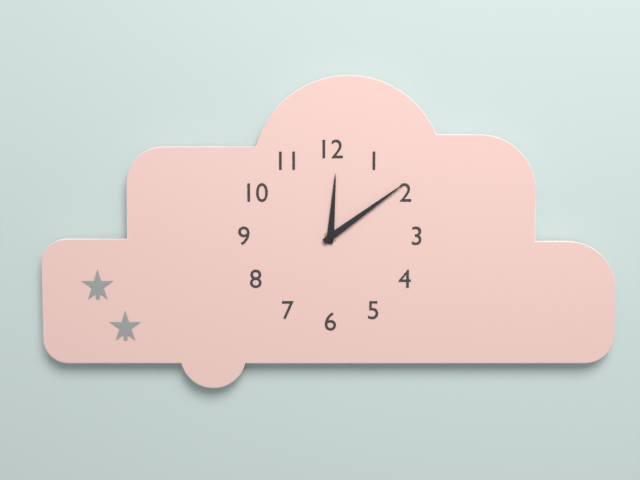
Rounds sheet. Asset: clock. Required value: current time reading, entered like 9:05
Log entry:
12:09
